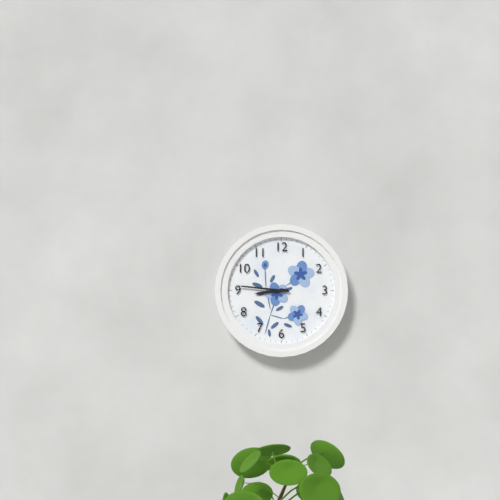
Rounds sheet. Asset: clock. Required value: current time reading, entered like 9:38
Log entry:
8:46
